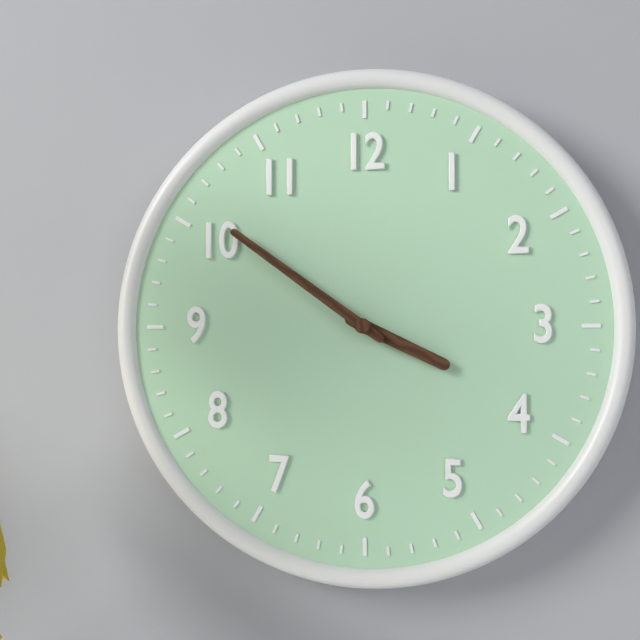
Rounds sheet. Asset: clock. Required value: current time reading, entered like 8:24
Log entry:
3:51
